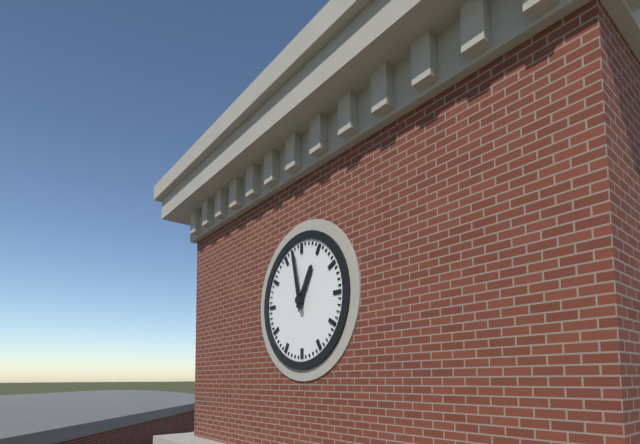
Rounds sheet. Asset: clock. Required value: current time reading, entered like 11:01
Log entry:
12:58
